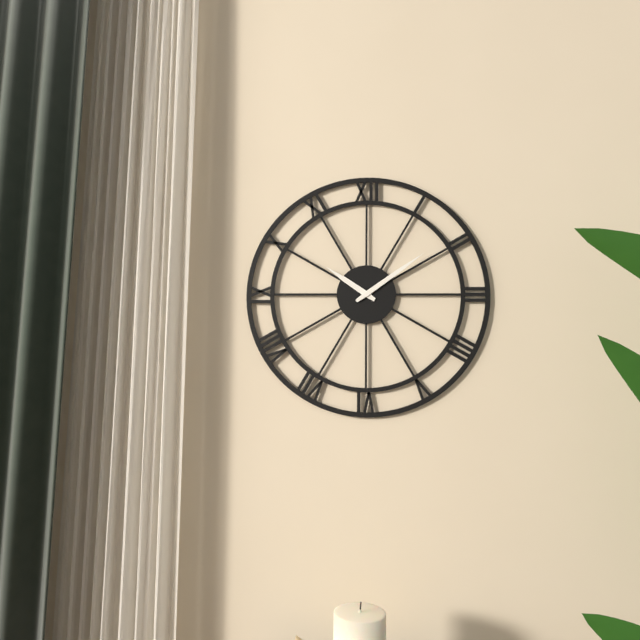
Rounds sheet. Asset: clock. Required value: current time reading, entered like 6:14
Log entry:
10:09
